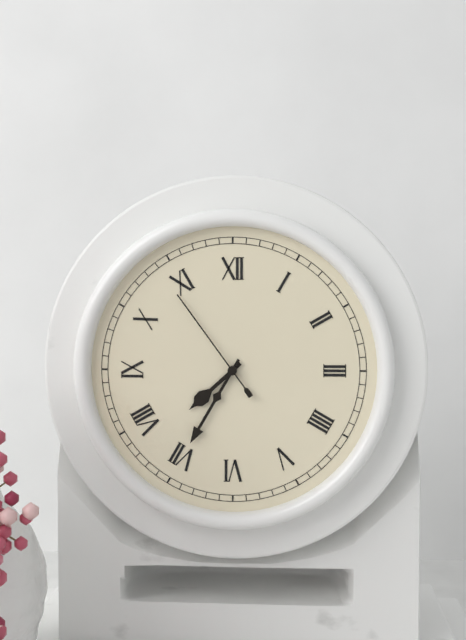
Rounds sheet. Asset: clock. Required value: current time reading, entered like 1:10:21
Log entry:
7:35:54
